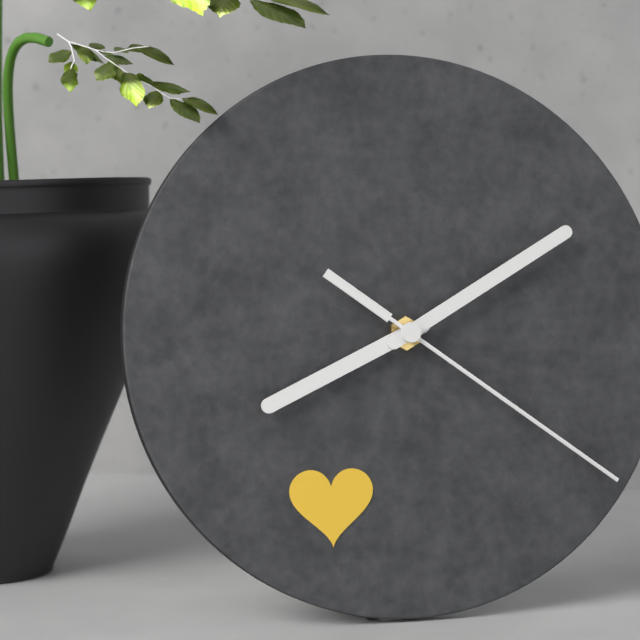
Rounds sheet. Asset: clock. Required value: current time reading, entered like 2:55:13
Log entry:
8:10:21
